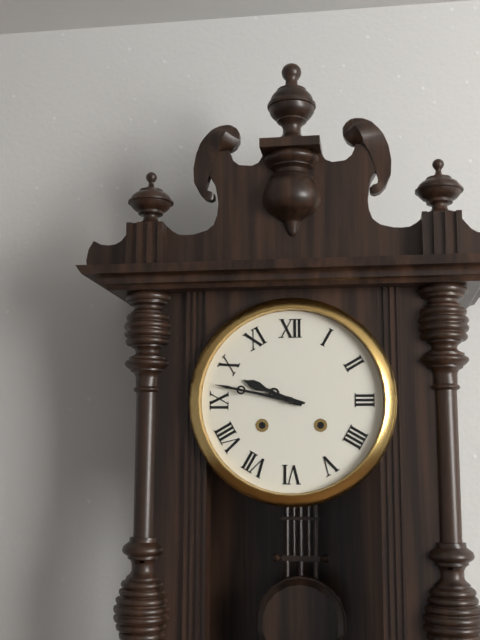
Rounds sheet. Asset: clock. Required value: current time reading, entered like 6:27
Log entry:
9:47
